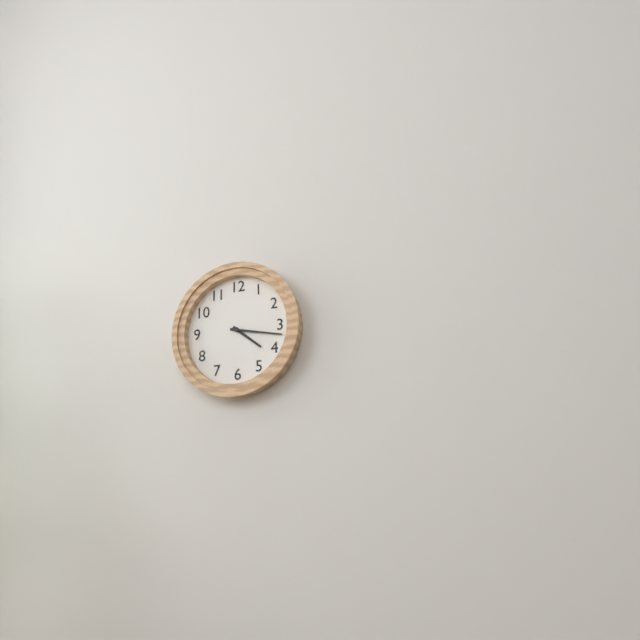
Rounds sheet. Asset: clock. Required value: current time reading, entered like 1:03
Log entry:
4:17
